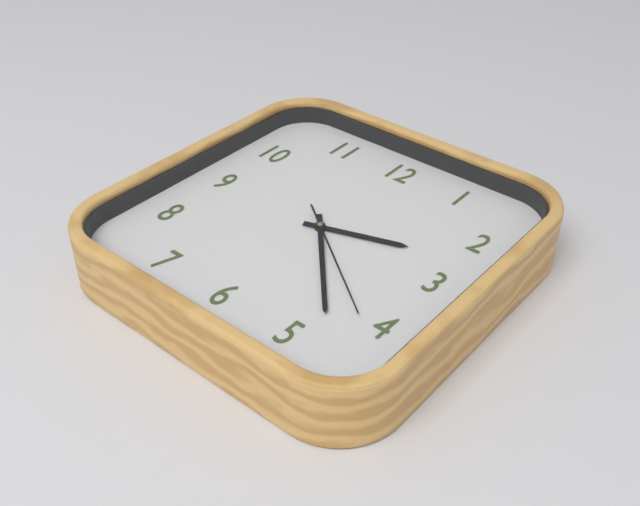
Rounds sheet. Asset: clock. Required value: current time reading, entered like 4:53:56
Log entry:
2:23:21
